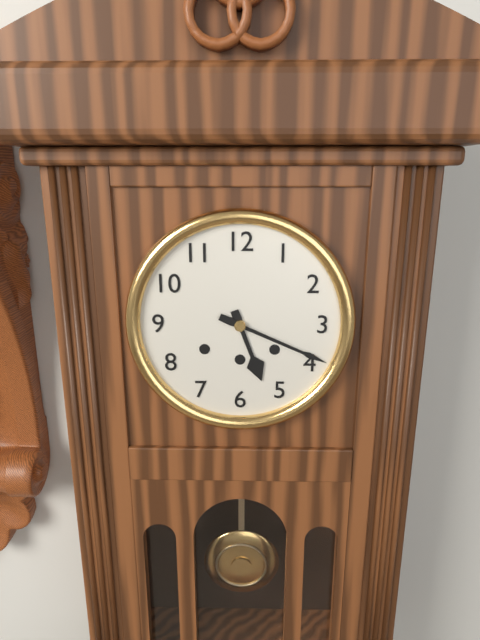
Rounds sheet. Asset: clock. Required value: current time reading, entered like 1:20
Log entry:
5:19
